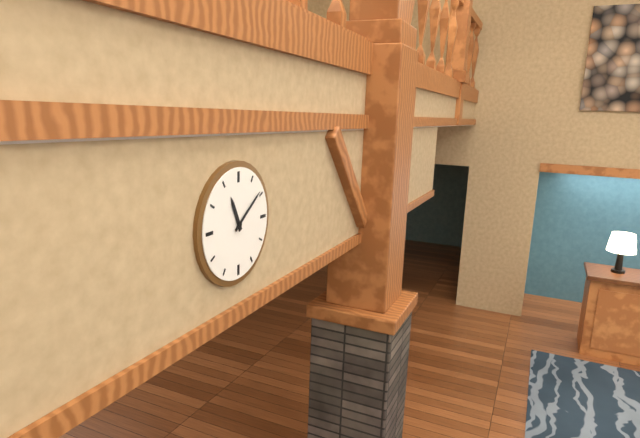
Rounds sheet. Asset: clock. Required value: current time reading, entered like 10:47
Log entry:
11:09
